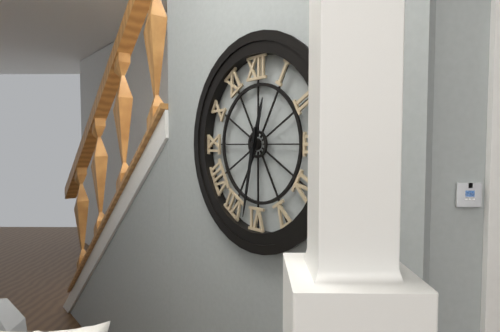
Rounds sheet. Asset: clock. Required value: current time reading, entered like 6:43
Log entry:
12:32
